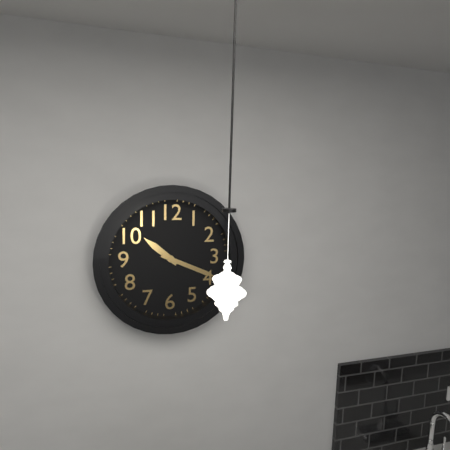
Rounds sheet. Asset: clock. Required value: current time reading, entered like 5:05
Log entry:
10:19
